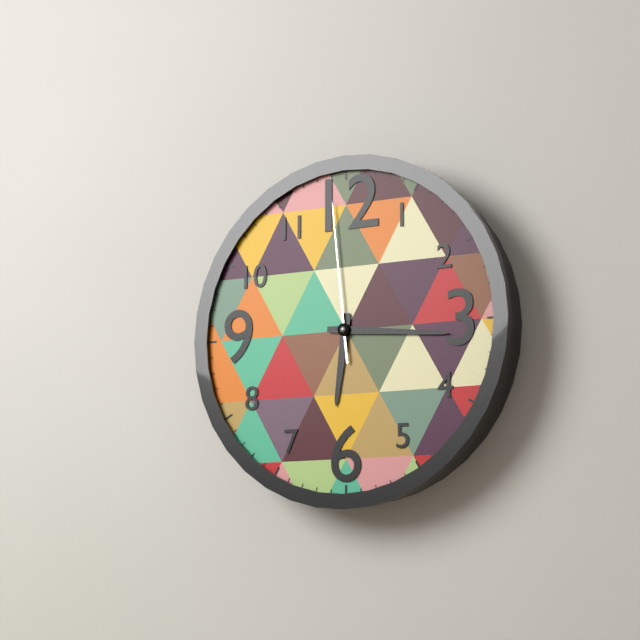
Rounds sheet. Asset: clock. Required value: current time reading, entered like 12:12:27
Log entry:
6:16:59
